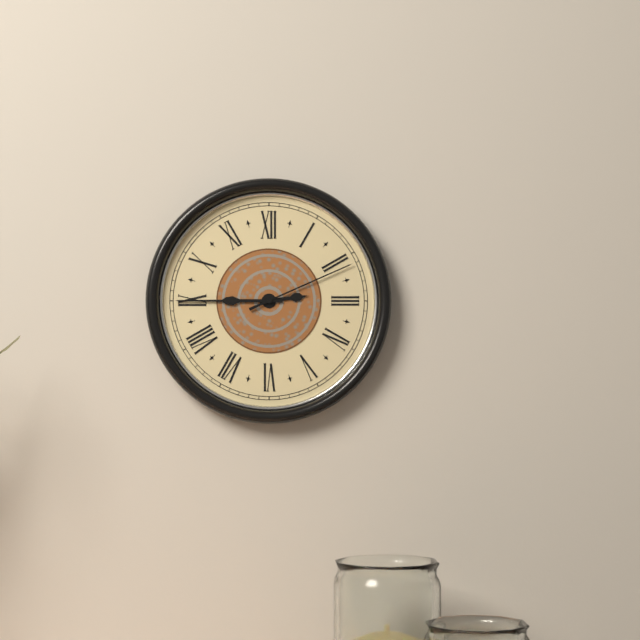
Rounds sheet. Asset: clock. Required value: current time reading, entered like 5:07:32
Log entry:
2:45:11
